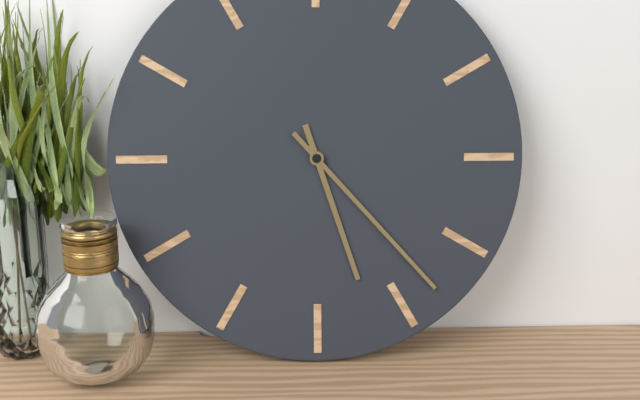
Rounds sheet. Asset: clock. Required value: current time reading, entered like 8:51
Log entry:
5:23
